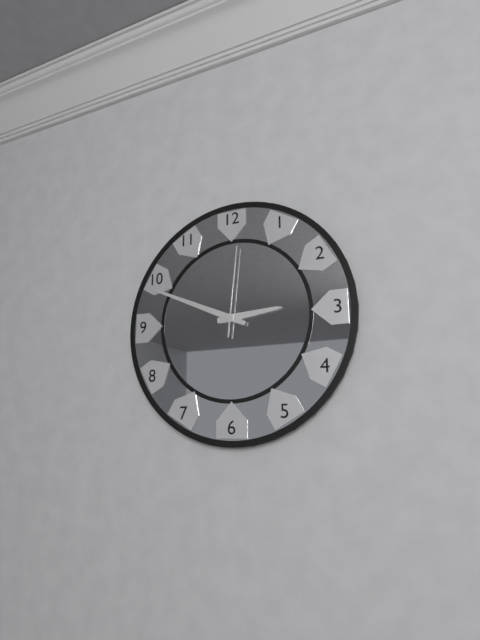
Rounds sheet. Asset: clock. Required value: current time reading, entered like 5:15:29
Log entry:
2:49:01
